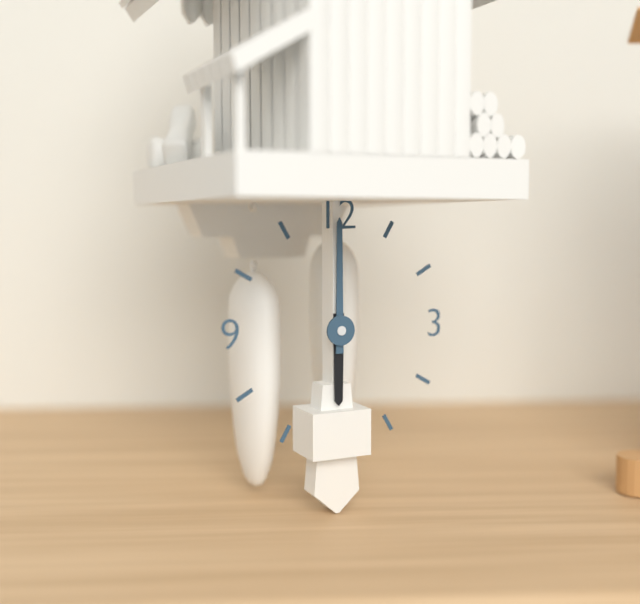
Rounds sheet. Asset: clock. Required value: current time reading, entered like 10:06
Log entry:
6:00
